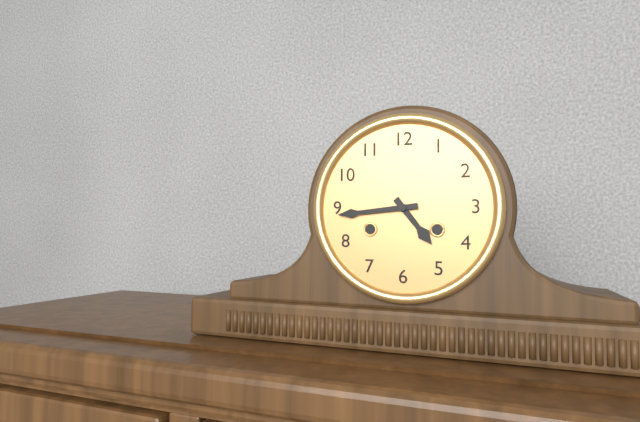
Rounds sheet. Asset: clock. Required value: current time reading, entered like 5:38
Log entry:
4:44
